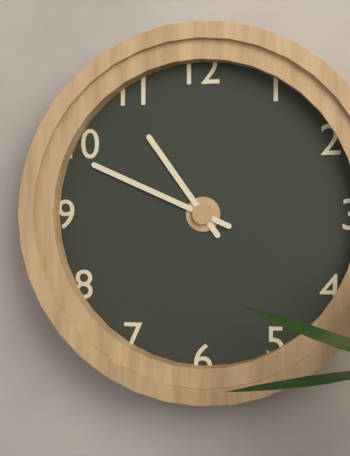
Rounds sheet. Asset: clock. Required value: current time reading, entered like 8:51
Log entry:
10:49
